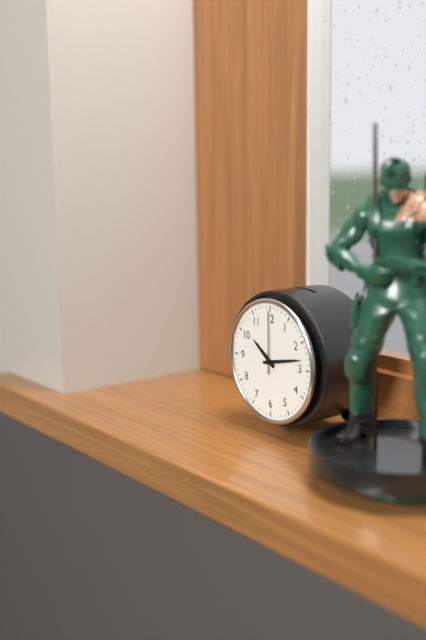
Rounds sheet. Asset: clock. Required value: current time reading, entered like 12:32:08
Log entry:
10:13:00
